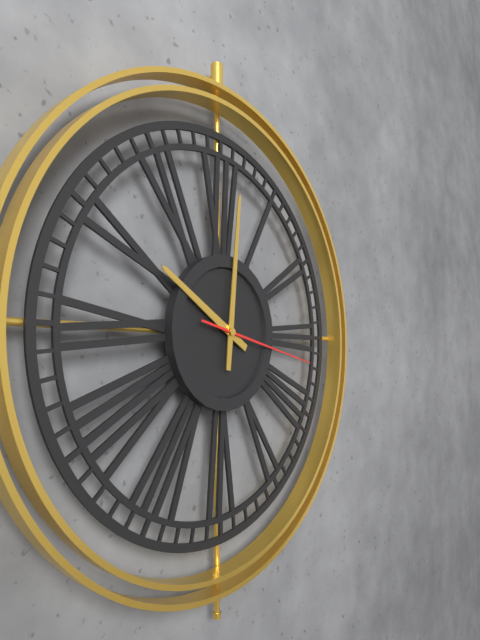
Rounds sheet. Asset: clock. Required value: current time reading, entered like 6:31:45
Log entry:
10:01:17
